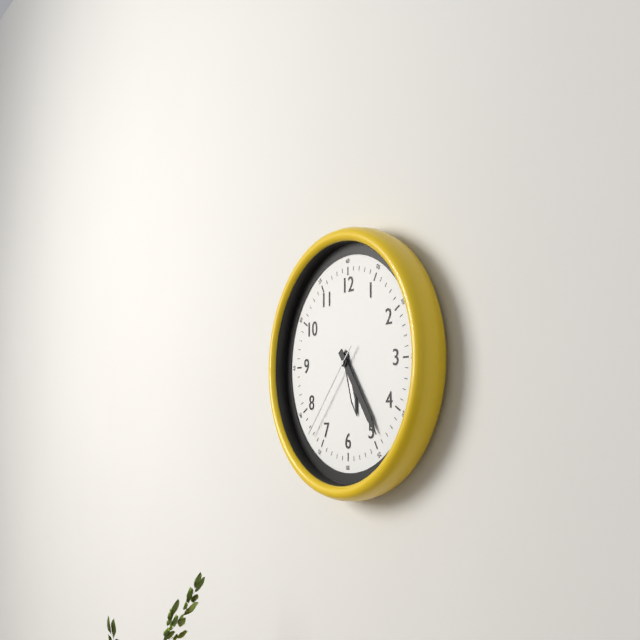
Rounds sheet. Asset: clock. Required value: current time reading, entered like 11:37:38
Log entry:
5:24:37
